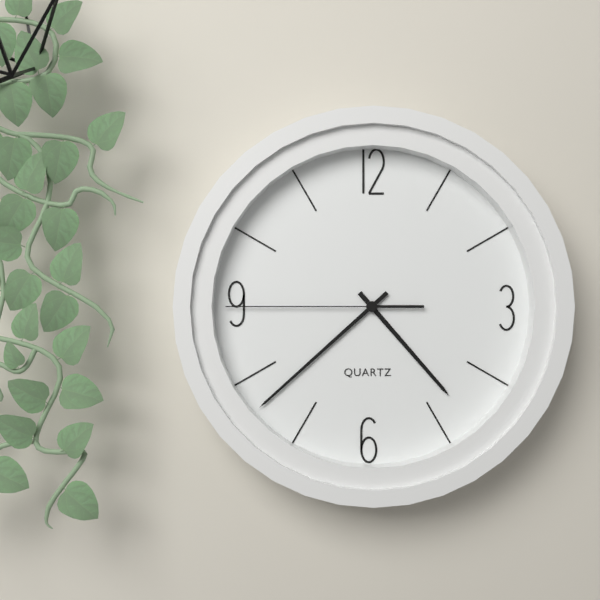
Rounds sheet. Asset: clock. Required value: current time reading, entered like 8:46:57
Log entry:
4:38:45
